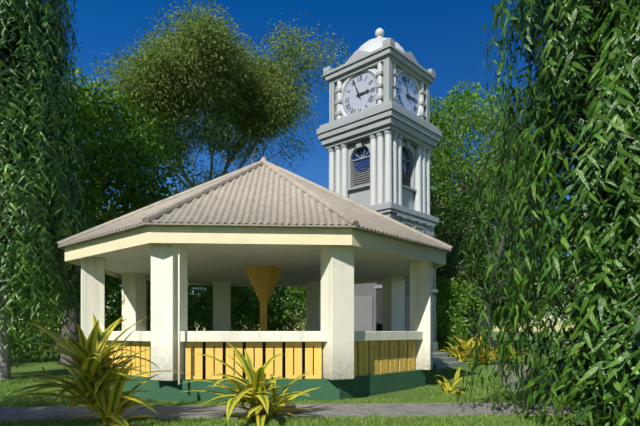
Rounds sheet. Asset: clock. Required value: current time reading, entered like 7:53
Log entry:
2:56
